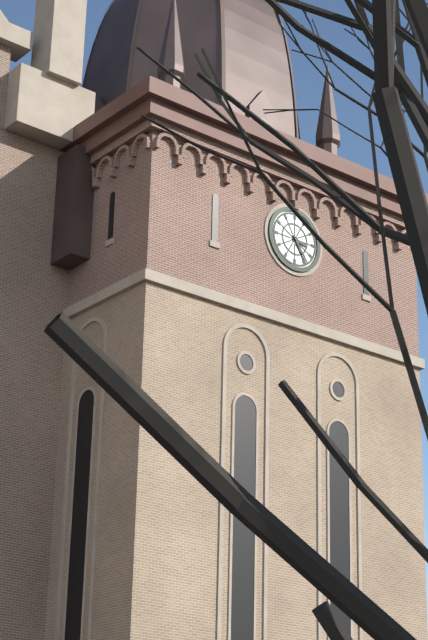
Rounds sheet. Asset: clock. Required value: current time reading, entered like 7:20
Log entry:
3:24
